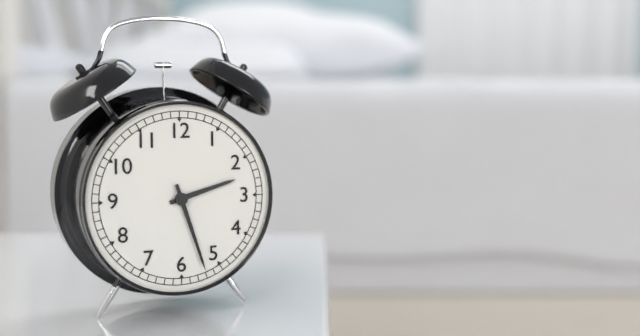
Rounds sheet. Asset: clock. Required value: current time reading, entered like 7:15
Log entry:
2:27
